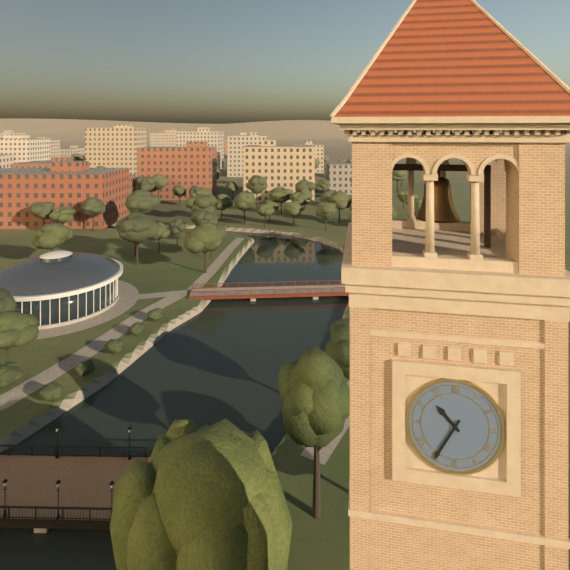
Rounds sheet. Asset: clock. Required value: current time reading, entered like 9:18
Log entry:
10:35
